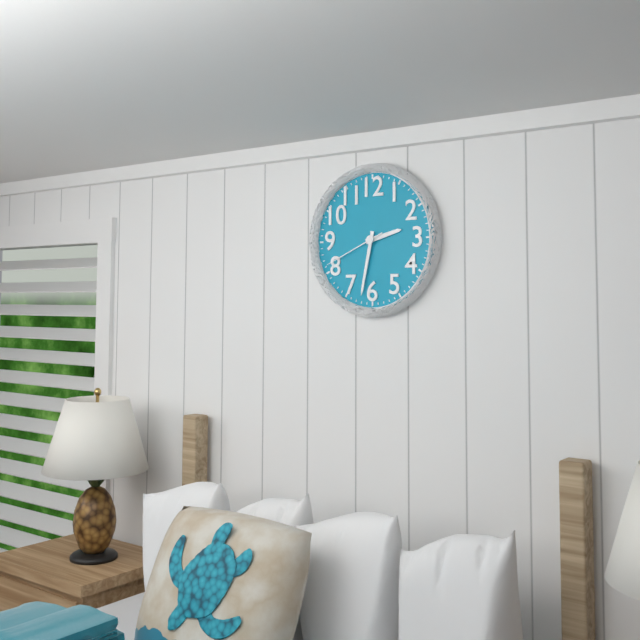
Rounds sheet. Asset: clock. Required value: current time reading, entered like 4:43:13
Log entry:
2:32:41
